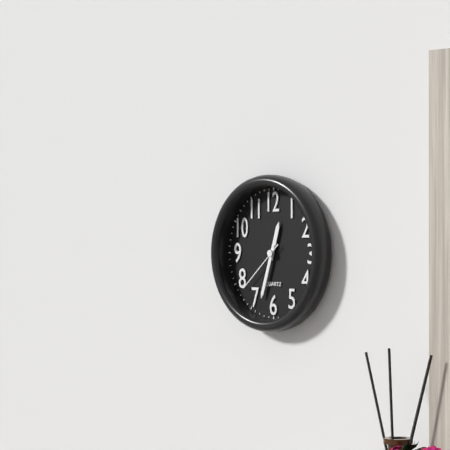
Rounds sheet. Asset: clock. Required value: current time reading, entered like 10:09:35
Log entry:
12:33:38
